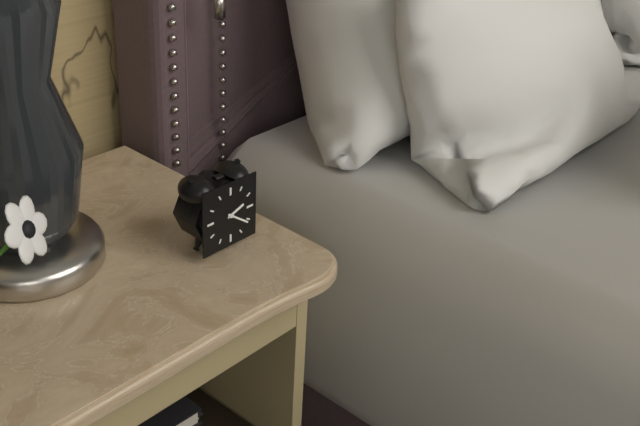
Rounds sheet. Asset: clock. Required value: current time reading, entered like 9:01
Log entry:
2:21
